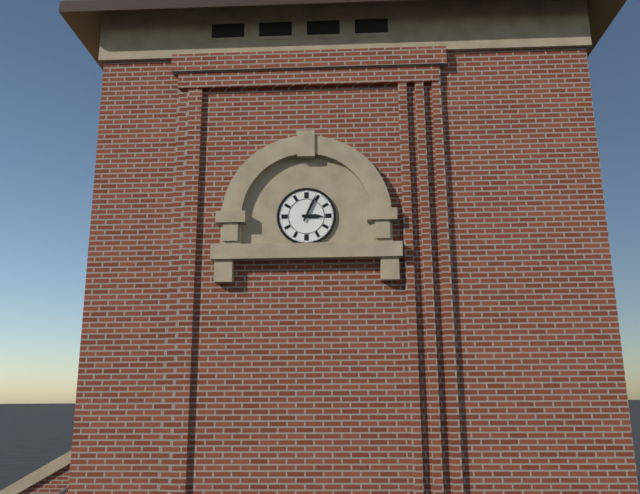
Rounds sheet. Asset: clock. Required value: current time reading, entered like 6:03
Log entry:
3:04
